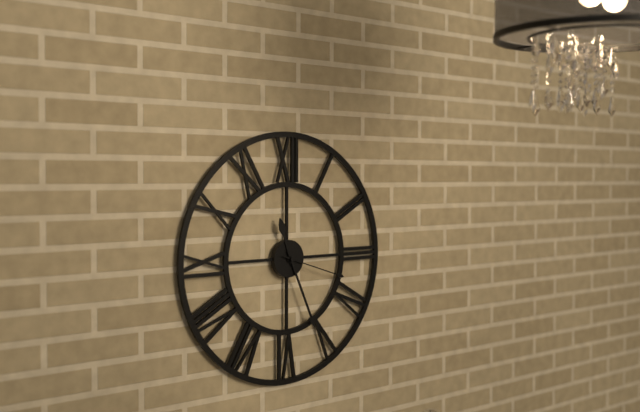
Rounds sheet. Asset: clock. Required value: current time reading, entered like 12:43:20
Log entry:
11:26:18
